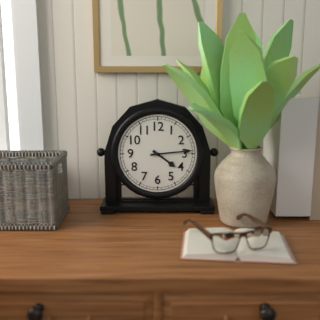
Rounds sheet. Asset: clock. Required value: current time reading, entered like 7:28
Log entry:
4:14
